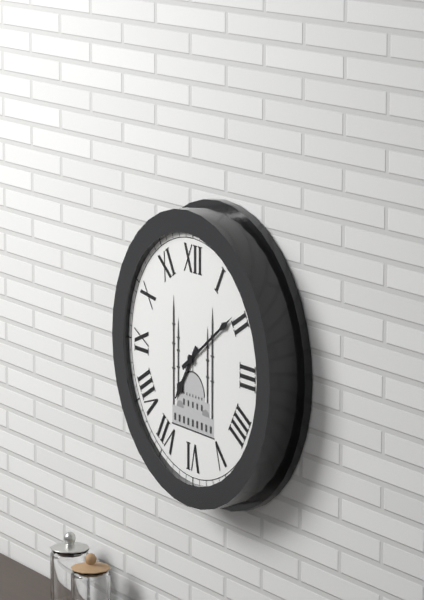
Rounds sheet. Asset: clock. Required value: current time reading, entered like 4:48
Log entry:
7:09
